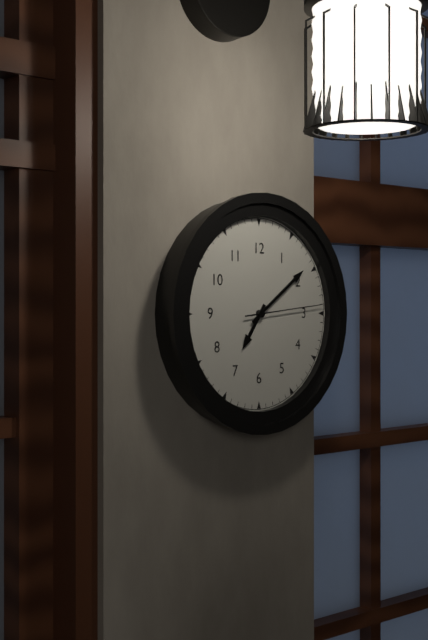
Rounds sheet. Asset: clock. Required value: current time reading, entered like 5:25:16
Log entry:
7:09:14
